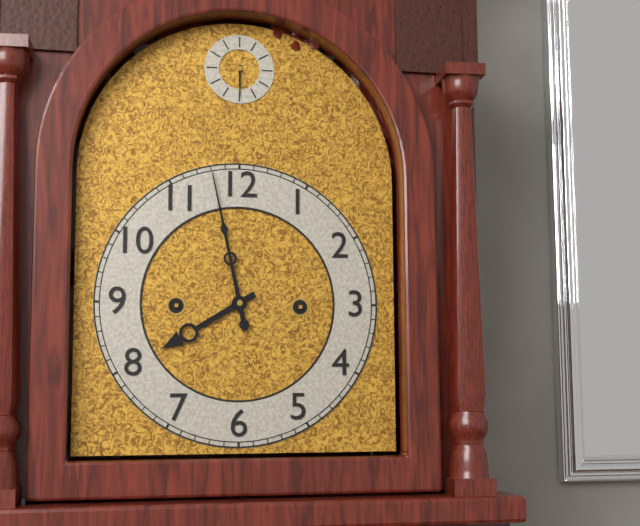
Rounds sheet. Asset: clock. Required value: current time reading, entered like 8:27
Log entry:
7:58
